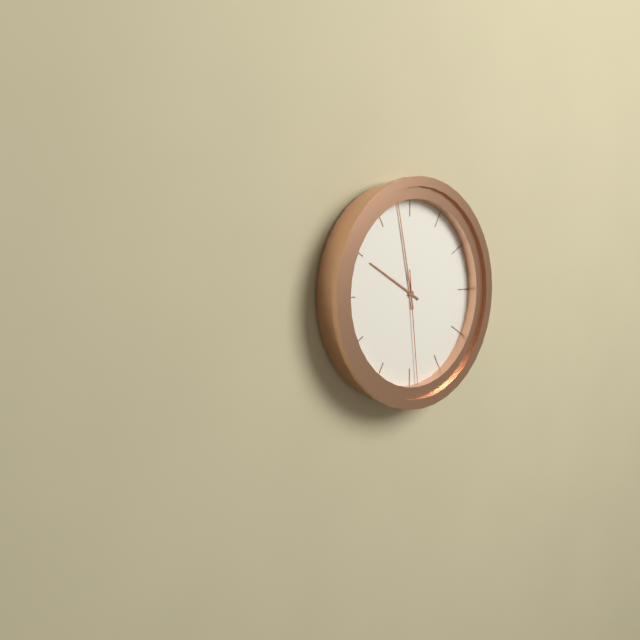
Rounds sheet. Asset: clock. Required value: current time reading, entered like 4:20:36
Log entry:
9:58:29
